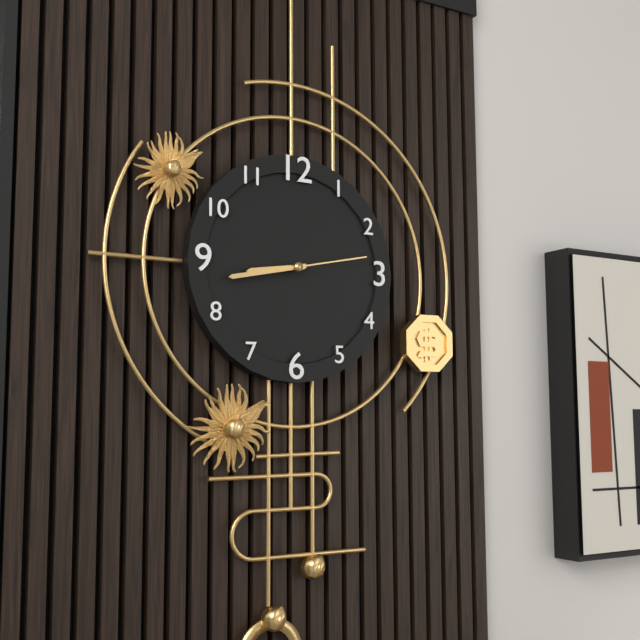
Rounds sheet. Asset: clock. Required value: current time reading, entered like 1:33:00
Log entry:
8:43:13
